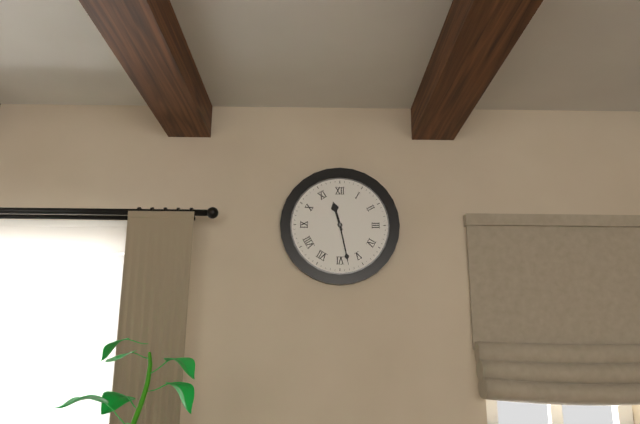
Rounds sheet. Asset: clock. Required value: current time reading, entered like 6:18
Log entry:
11:28
